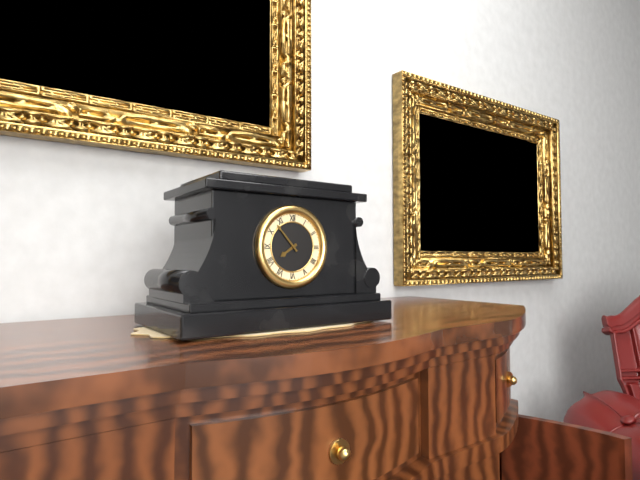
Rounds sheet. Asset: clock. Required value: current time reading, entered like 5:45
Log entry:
7:53
